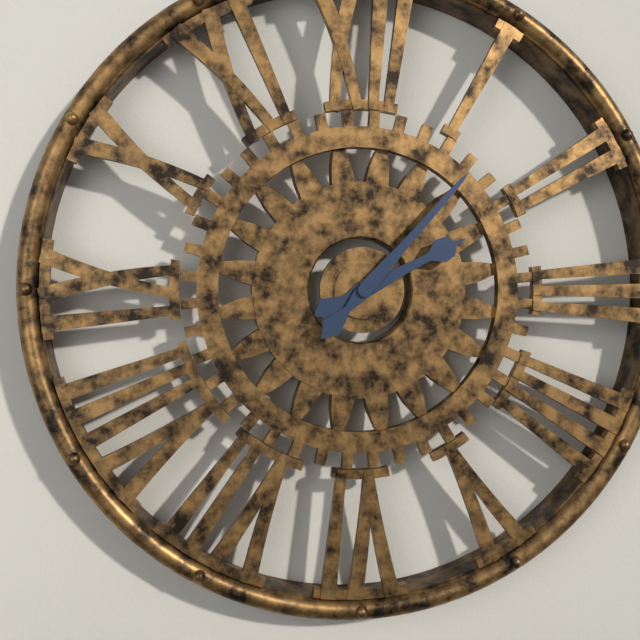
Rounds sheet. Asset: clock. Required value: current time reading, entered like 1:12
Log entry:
2:07
